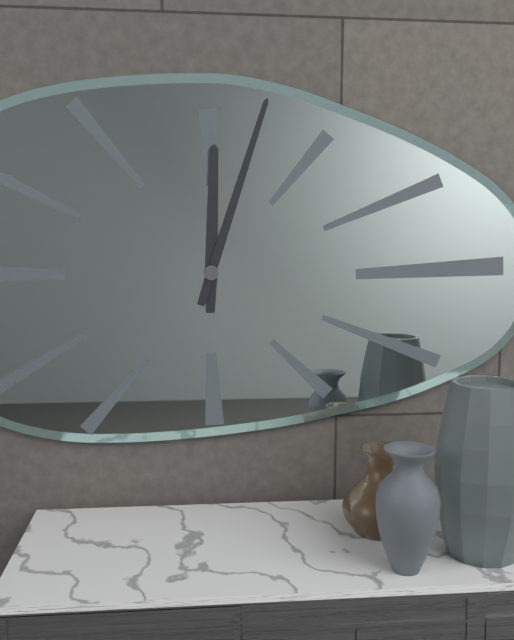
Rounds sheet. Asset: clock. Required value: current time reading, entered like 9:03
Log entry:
12:03
